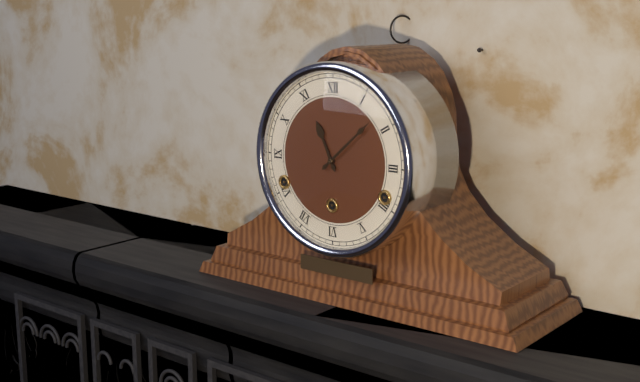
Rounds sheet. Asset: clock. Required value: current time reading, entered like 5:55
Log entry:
11:08
